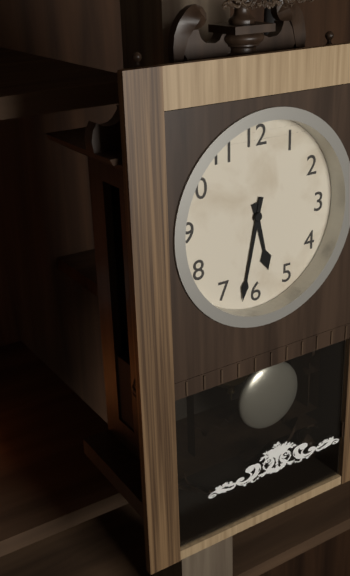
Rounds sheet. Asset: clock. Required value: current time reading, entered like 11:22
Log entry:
5:32
